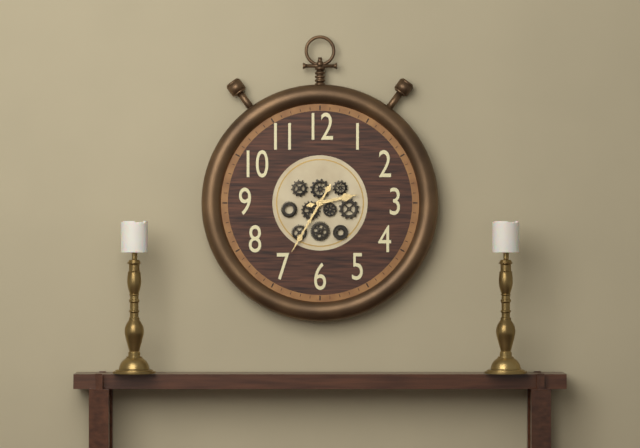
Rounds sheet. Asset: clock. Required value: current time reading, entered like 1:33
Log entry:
2:35
